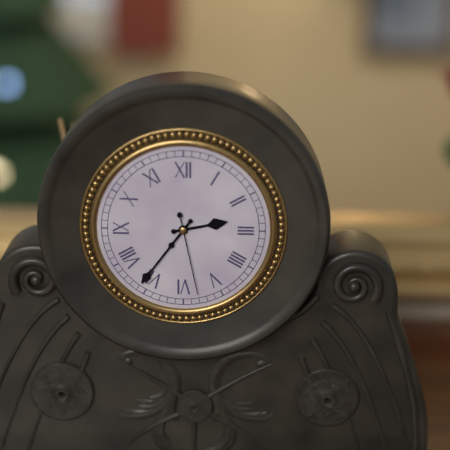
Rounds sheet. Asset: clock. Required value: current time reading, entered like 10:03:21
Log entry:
2:36:28
